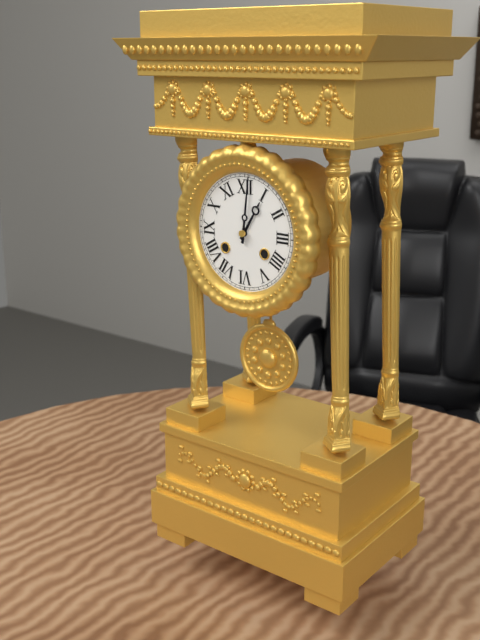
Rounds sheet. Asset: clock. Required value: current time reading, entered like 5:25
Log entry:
1:01
